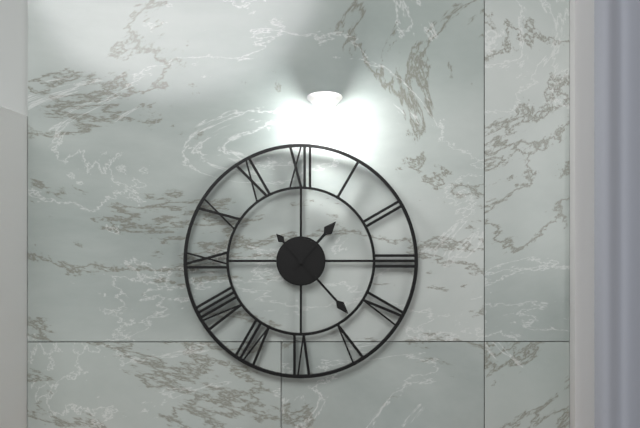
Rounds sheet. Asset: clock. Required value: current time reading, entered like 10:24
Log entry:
1:23
